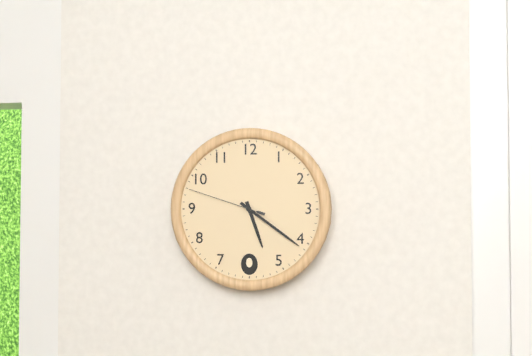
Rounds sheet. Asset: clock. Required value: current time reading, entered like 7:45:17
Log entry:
5:21:48
